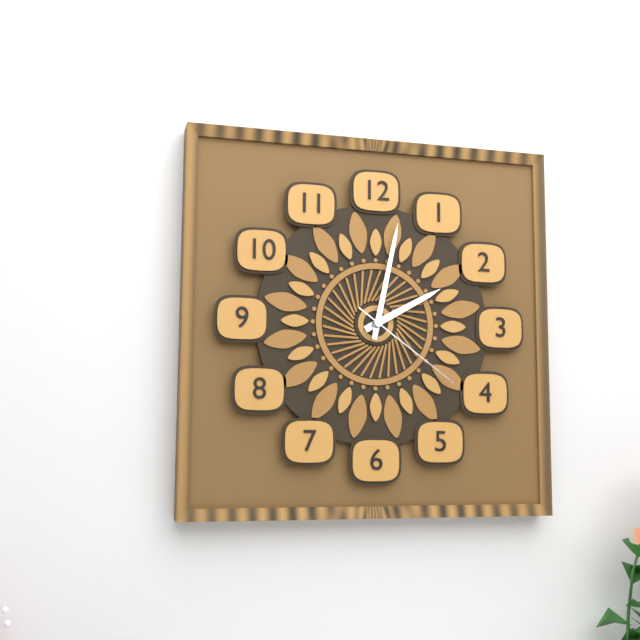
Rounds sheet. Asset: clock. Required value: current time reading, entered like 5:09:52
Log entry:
2:02:21
